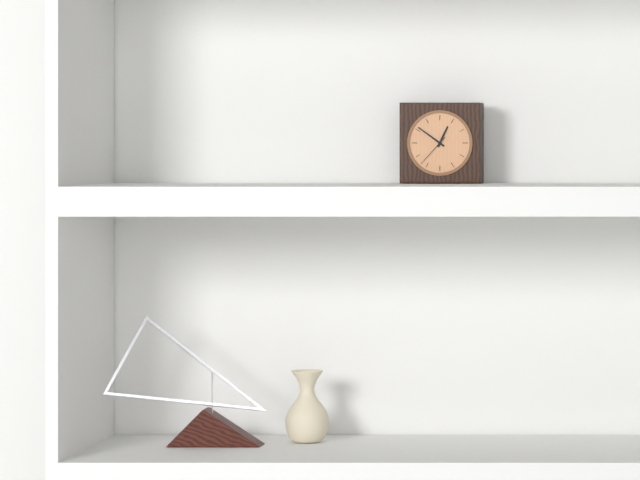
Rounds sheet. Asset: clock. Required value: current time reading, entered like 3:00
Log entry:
12:51
